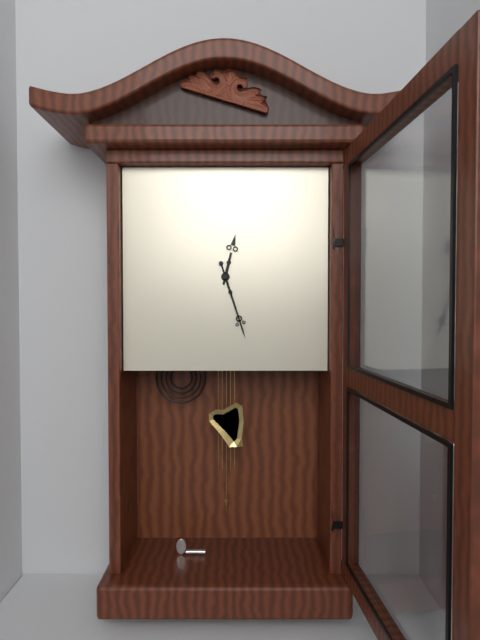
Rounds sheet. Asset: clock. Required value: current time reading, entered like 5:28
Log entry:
12:27
